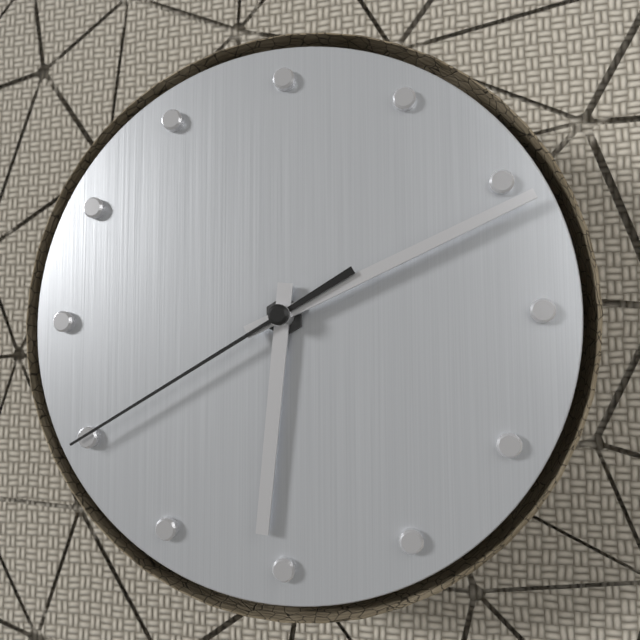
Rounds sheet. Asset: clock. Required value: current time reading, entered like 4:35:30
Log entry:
6:11:40
